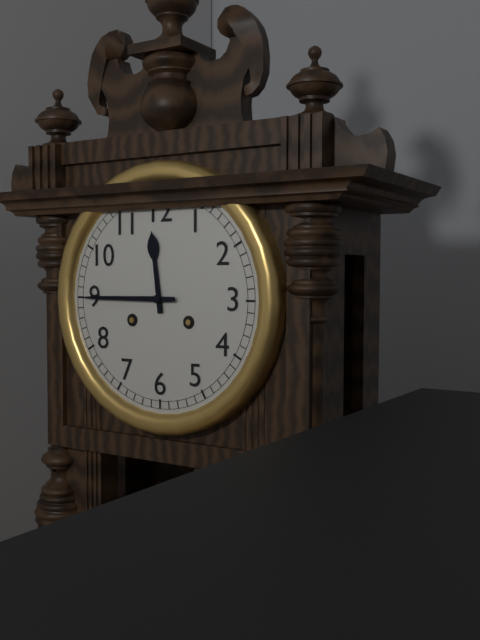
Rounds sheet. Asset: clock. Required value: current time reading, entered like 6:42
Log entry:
11:45
